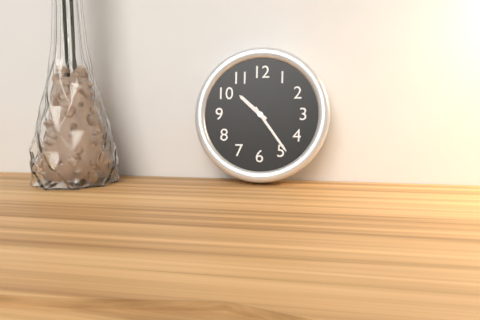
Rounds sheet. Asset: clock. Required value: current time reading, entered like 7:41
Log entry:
10:24
